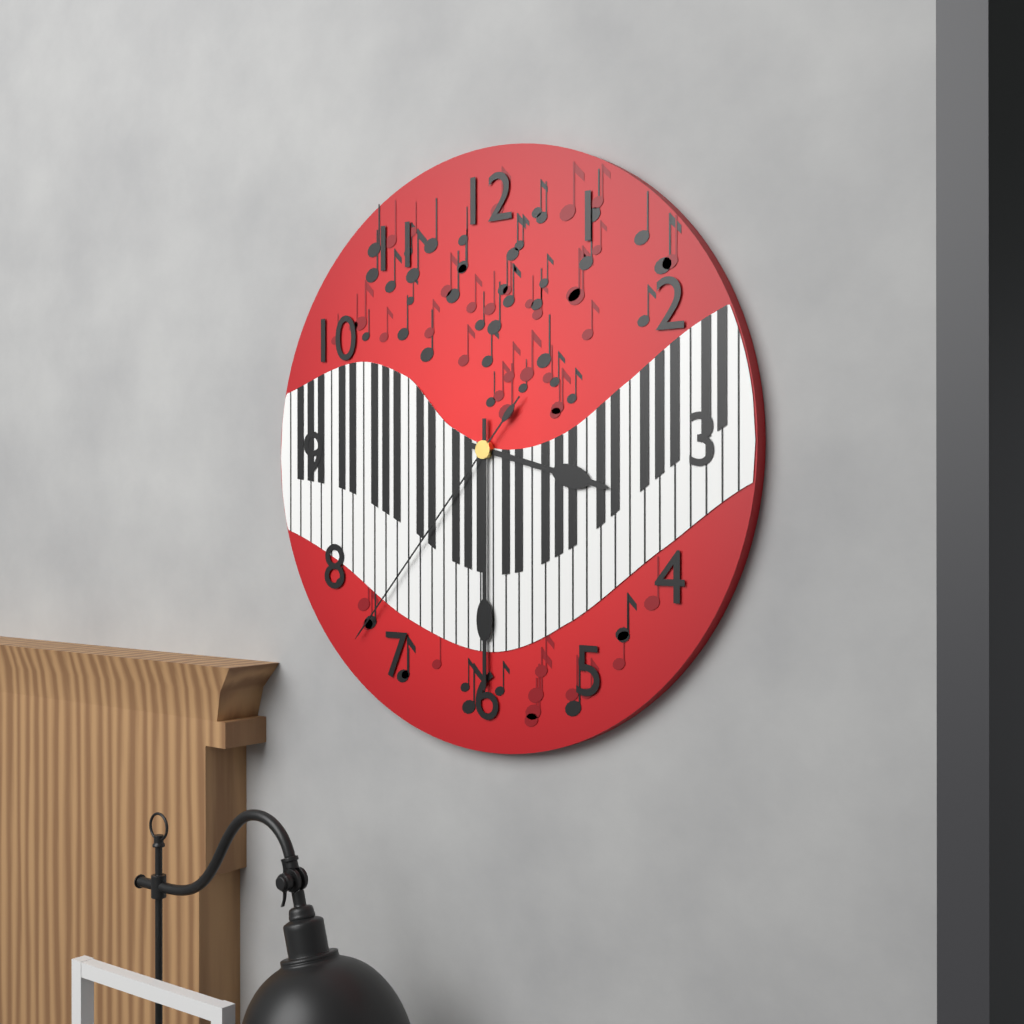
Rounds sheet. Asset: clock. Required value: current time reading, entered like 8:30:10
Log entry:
3:30:37
